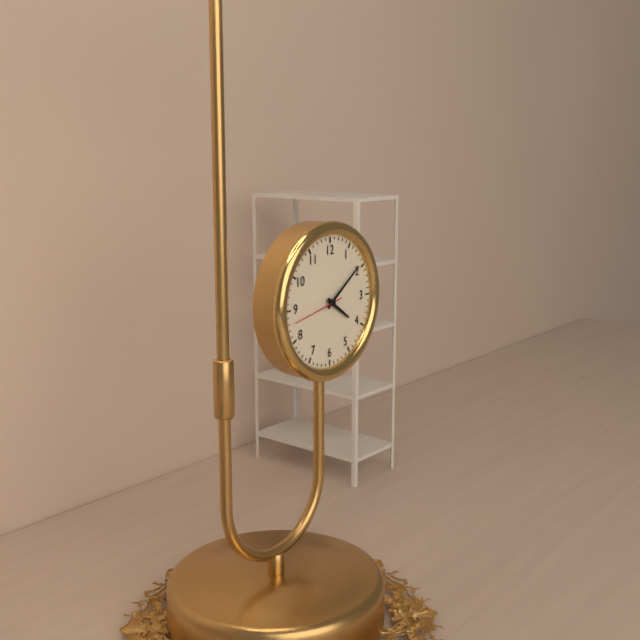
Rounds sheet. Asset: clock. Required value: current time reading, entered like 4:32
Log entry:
4:09
